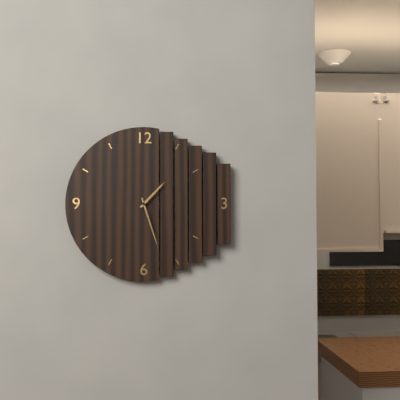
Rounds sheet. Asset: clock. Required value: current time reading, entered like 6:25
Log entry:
1:27
